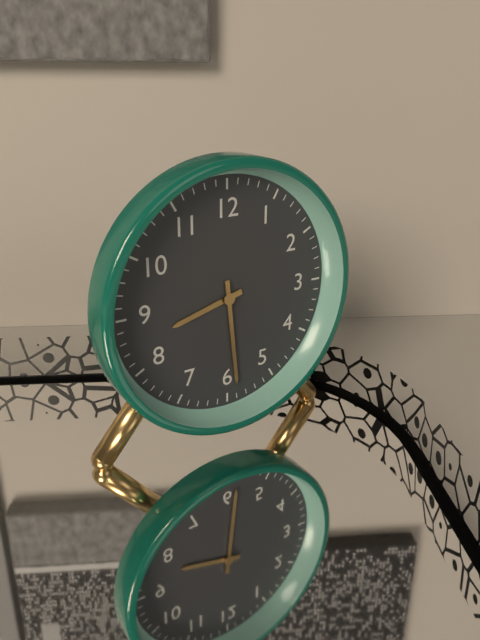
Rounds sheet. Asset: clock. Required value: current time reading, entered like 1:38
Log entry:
8:29
